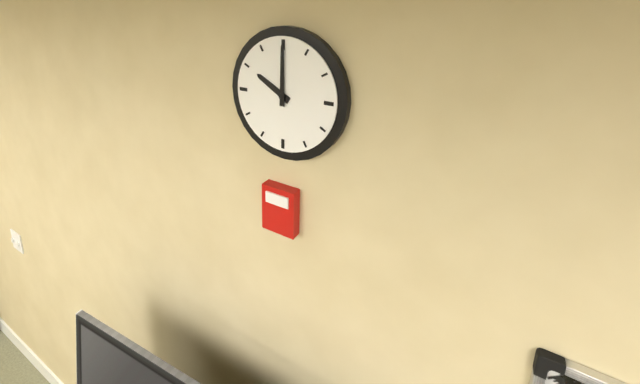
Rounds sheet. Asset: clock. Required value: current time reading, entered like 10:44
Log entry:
10:00
